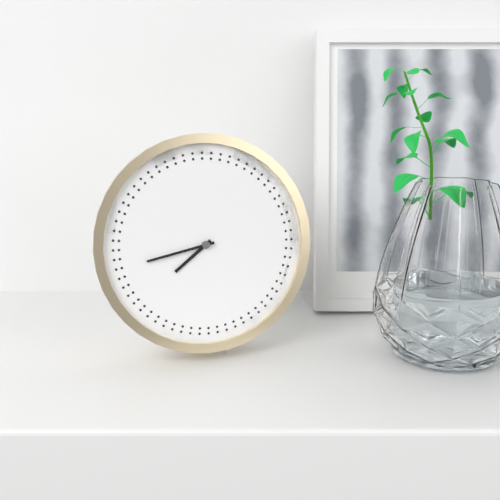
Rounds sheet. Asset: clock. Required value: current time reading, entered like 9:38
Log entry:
7:43
